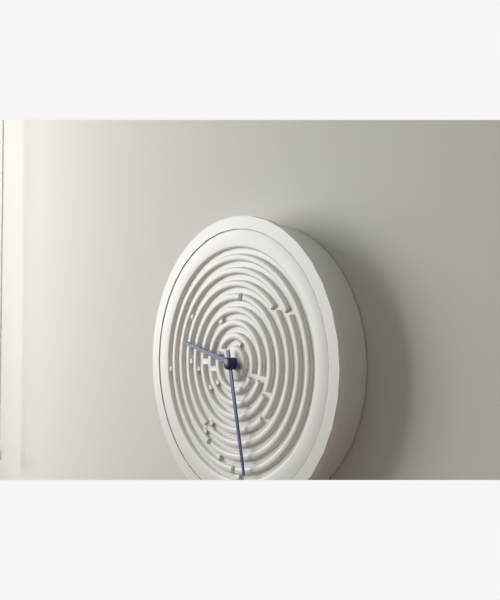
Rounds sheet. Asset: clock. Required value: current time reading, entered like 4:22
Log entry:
9:28
